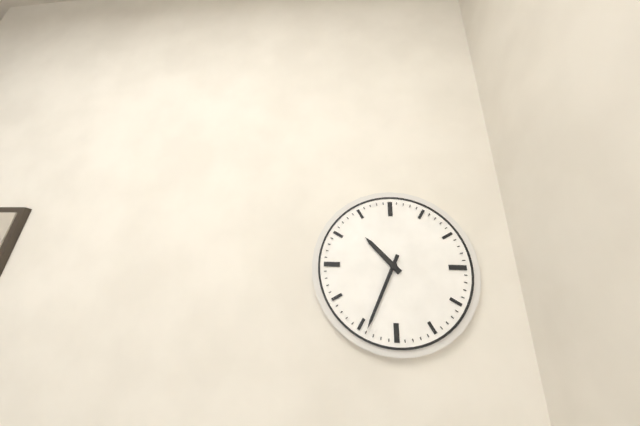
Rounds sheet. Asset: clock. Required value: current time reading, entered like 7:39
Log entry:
10:34
